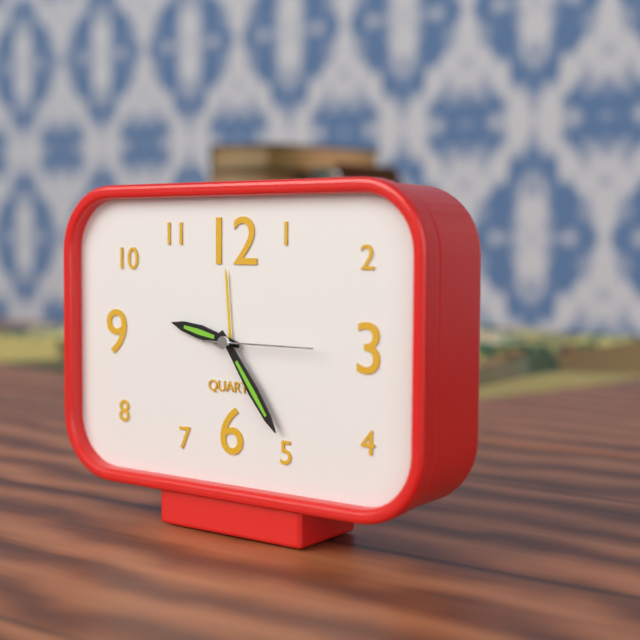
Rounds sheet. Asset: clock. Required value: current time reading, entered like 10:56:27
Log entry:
9:24:15
